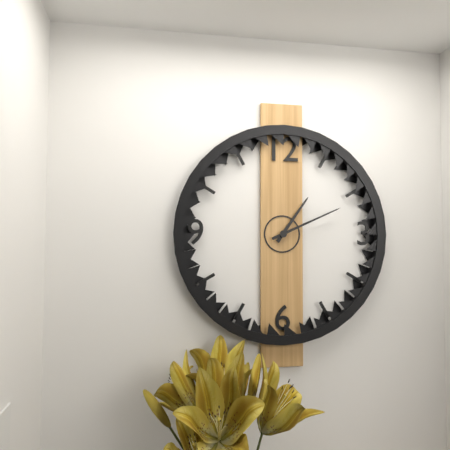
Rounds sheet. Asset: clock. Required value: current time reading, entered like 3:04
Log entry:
1:11
